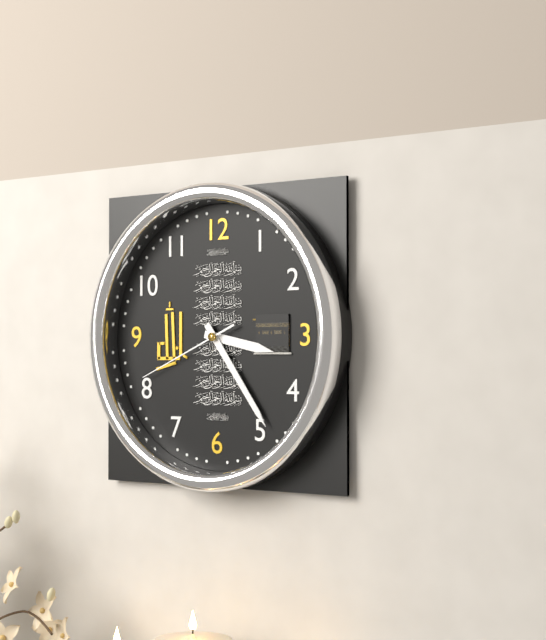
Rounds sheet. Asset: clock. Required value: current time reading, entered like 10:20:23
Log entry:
3:24:41
